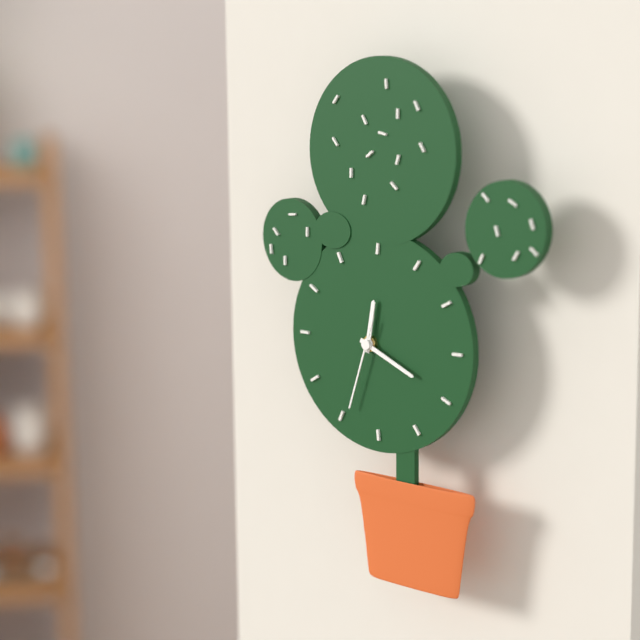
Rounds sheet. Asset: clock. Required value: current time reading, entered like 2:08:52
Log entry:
12:19:33
